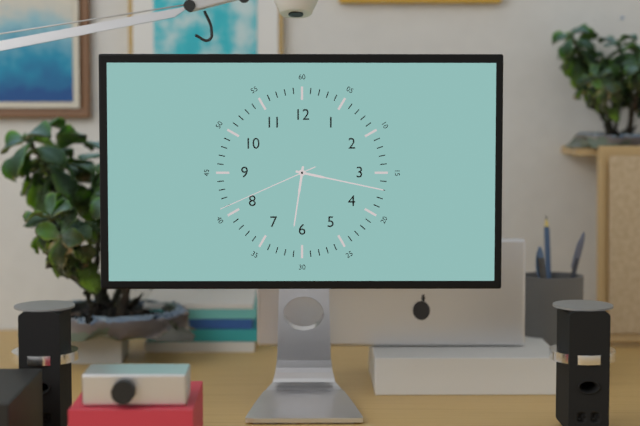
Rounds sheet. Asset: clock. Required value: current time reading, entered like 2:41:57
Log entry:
6:17:41
